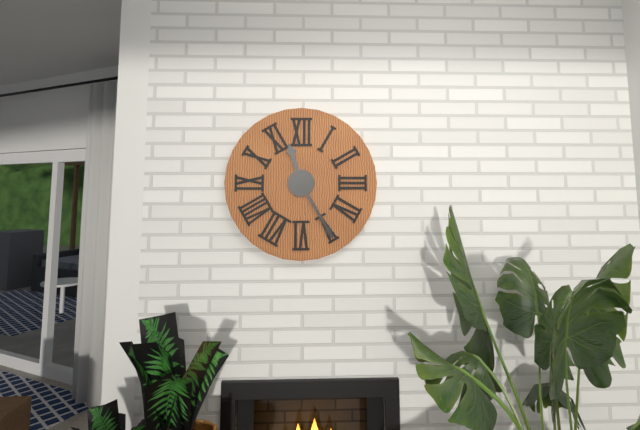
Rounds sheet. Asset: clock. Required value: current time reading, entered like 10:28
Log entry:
11:25
